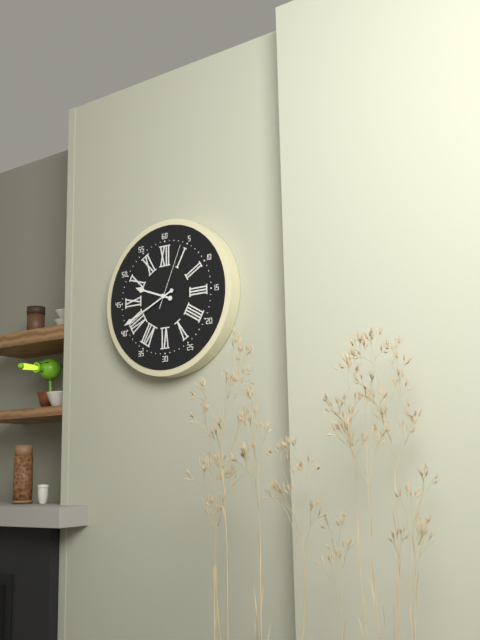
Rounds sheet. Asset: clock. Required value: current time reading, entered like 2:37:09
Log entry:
9:41:04
